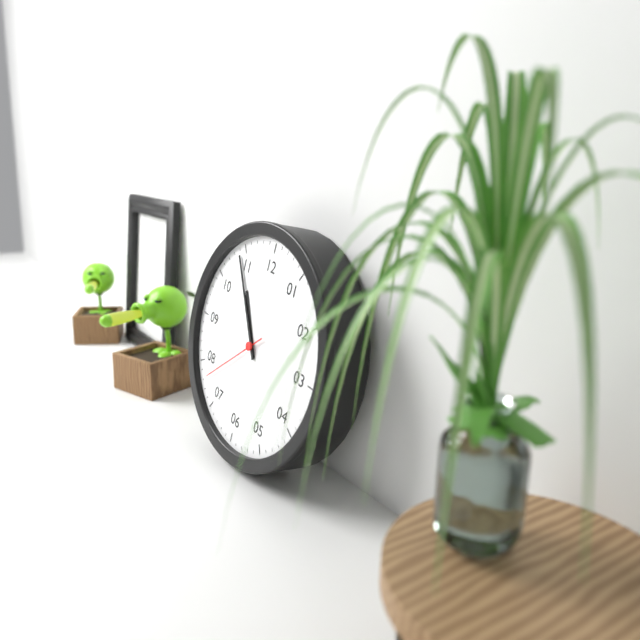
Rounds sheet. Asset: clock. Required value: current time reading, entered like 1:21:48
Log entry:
10:54:38
